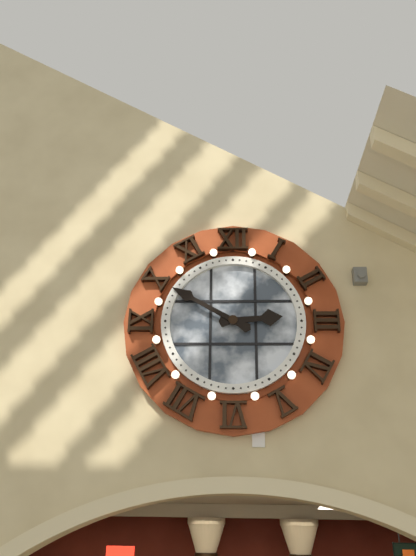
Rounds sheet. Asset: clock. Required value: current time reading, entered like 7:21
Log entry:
2:50
